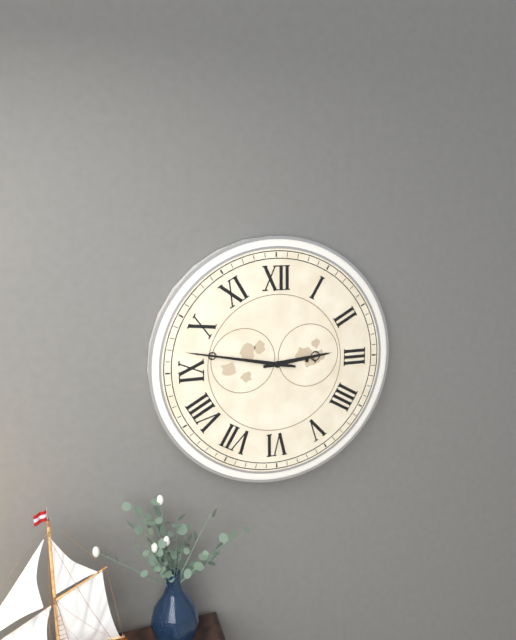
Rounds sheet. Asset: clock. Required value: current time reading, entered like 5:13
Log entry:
2:47
